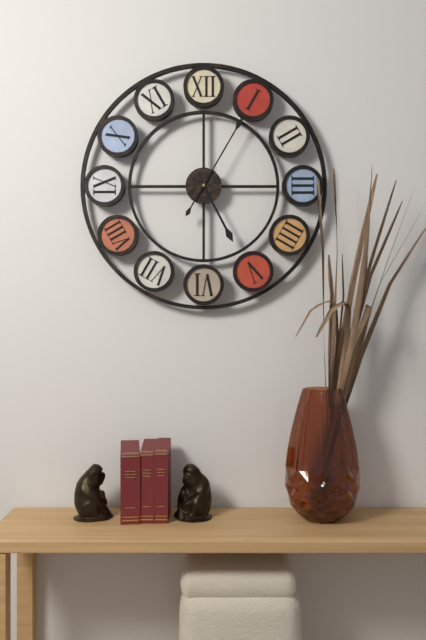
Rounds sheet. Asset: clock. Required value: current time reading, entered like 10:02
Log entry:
5:05
